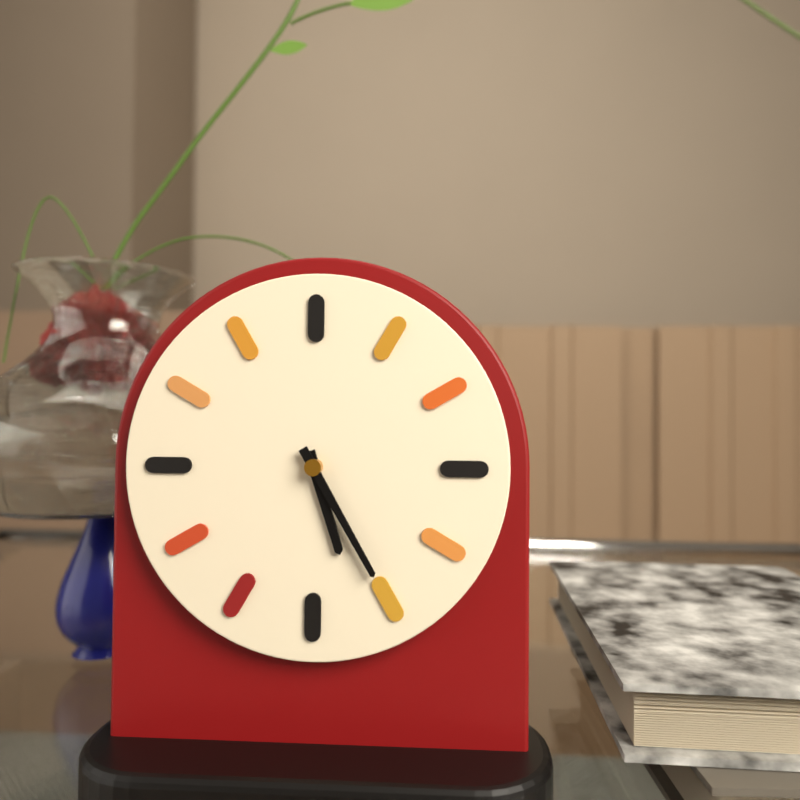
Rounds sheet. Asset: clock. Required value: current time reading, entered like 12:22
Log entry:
5:25
